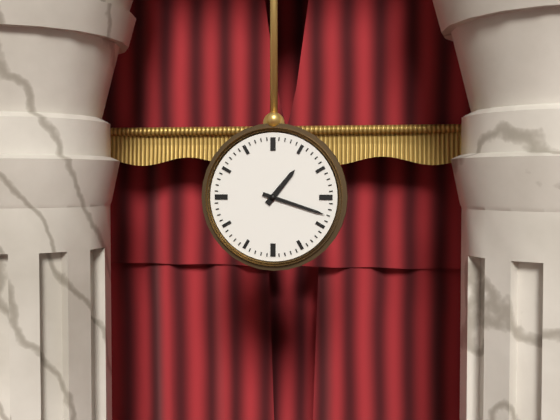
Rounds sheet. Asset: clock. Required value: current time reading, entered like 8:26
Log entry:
1:18
